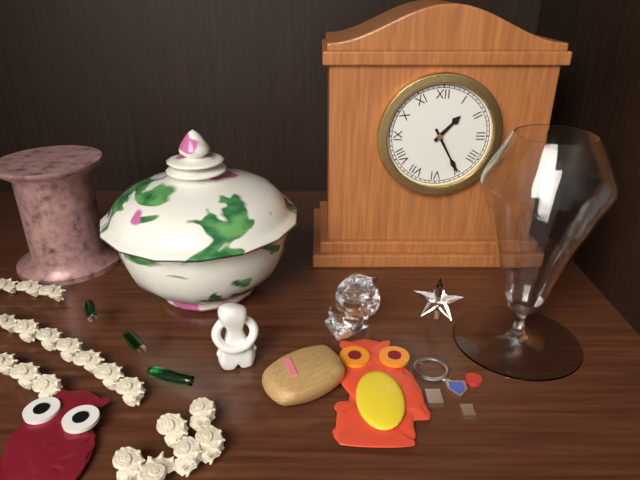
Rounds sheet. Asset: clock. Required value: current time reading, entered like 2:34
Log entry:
1:25
